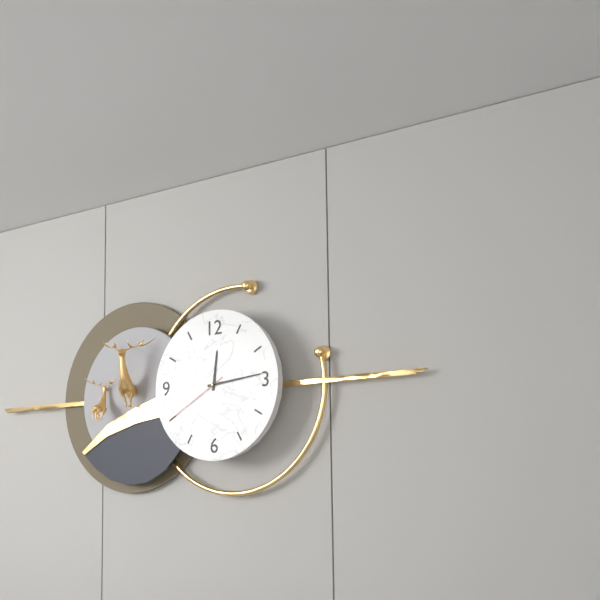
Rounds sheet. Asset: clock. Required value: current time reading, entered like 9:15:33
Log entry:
12:14:40
